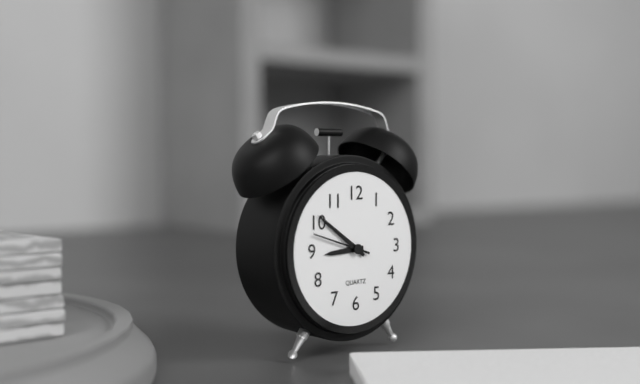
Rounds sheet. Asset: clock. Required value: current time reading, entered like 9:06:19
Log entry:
8:51:48
